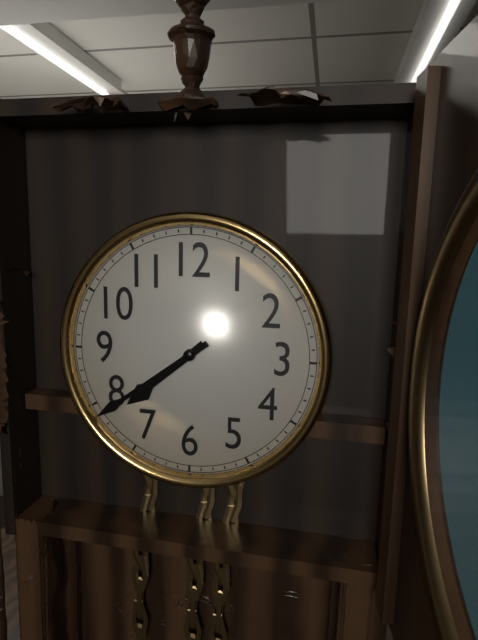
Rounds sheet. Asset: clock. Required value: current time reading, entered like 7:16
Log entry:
7:39
